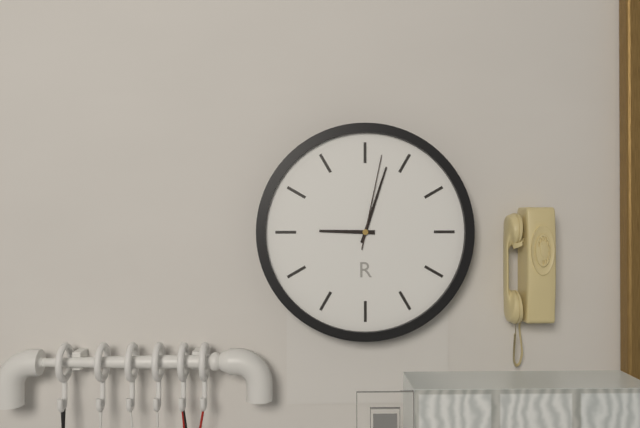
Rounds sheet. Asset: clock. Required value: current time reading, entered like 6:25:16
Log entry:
9:03:02
